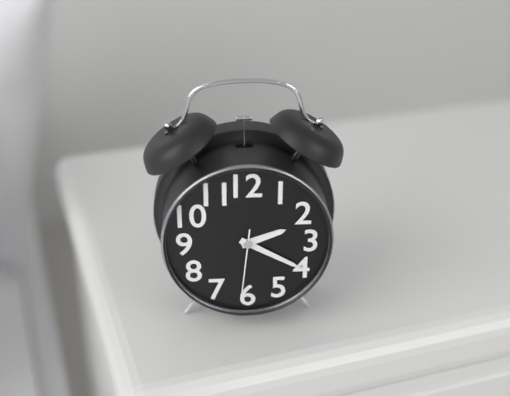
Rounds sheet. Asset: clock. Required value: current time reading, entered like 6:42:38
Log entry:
2:20:31
